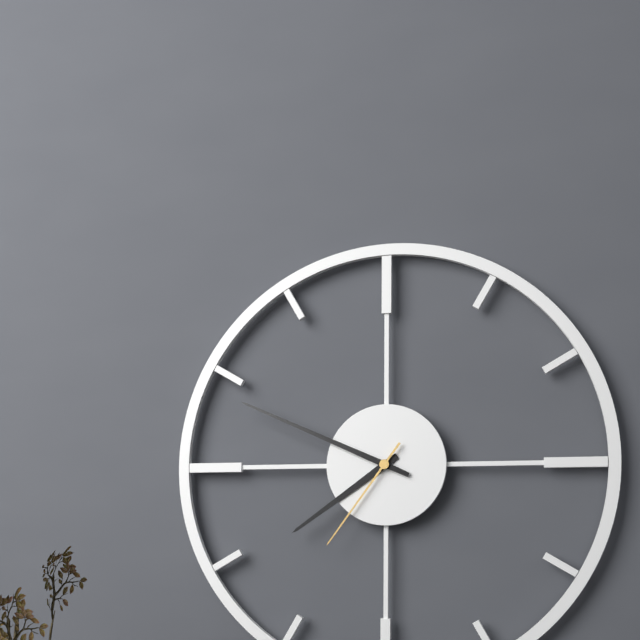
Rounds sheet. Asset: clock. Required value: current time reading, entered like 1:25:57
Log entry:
7:49:36
